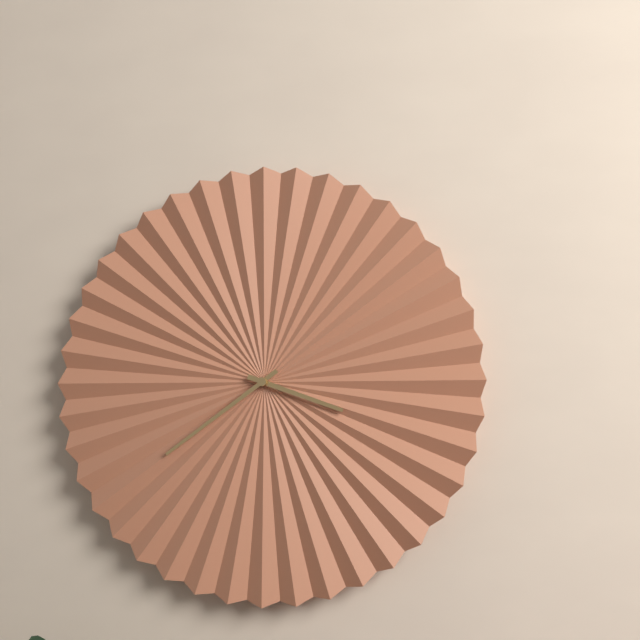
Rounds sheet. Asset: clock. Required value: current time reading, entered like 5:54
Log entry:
3:39
